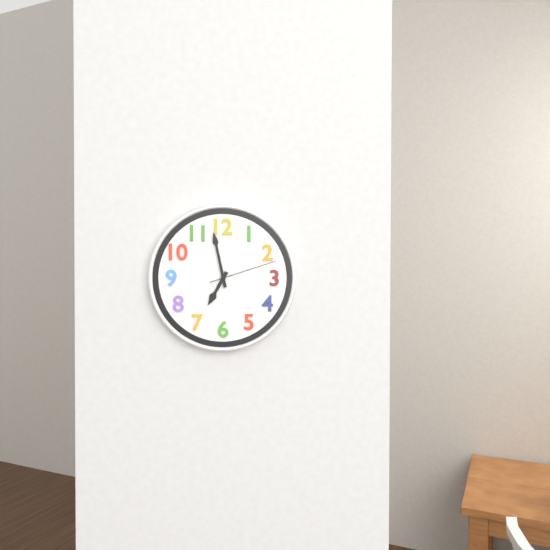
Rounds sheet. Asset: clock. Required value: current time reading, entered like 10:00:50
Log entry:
6:58:12
